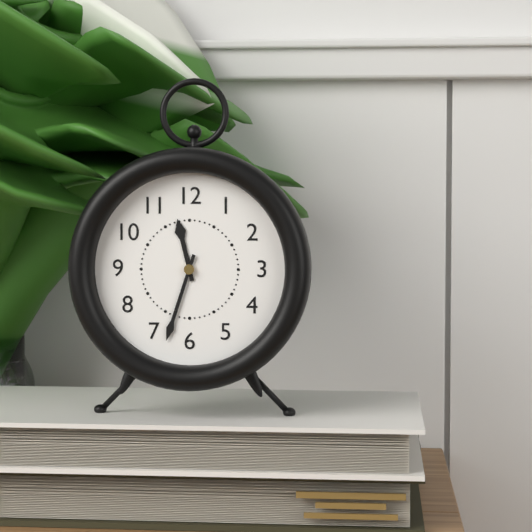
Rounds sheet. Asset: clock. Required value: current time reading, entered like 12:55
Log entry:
11:33
